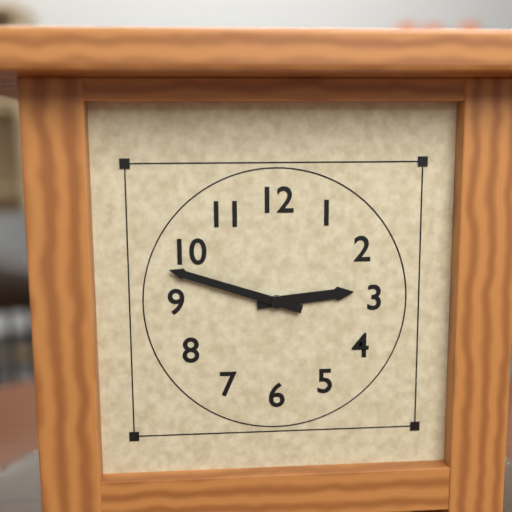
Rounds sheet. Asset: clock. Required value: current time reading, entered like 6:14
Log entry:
2:48
